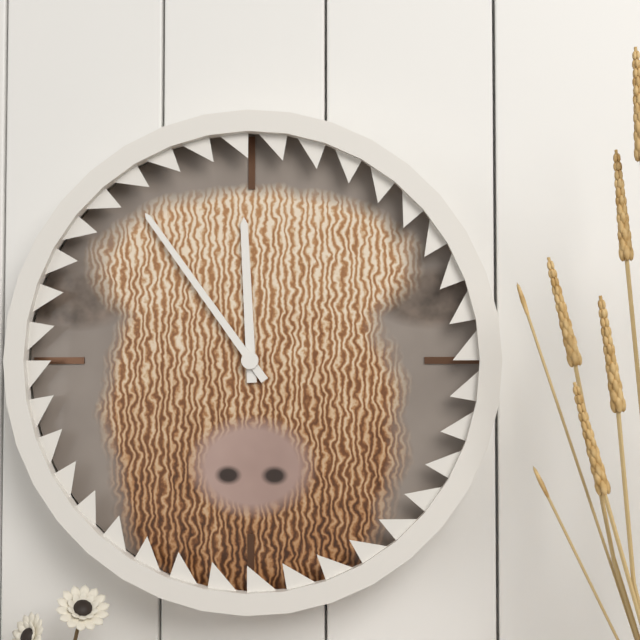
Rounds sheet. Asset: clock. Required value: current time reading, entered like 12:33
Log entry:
11:54
